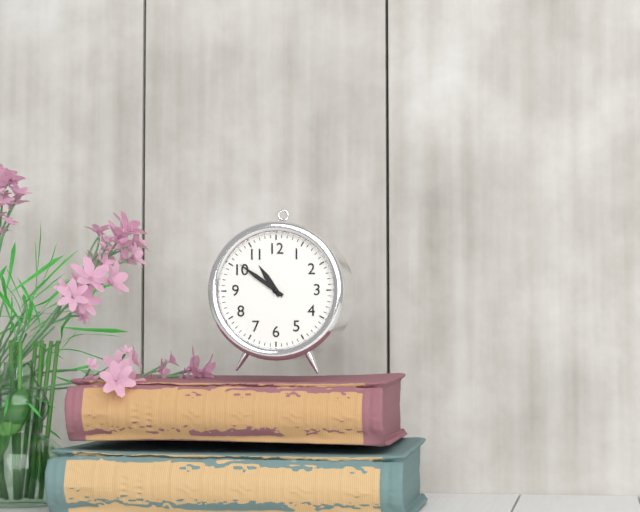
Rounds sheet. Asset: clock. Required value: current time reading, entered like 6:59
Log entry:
10:51
